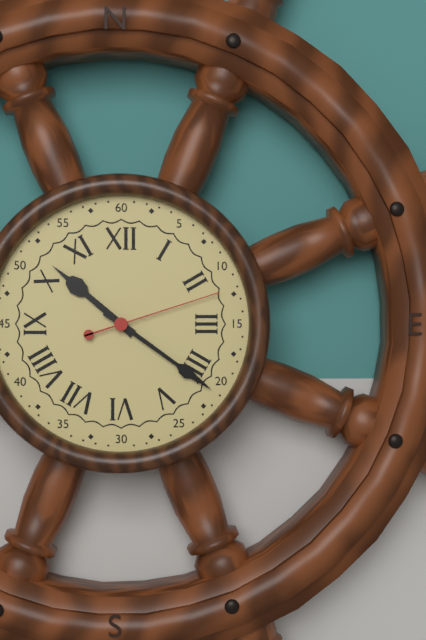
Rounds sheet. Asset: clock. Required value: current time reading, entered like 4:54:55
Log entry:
10:21:12
